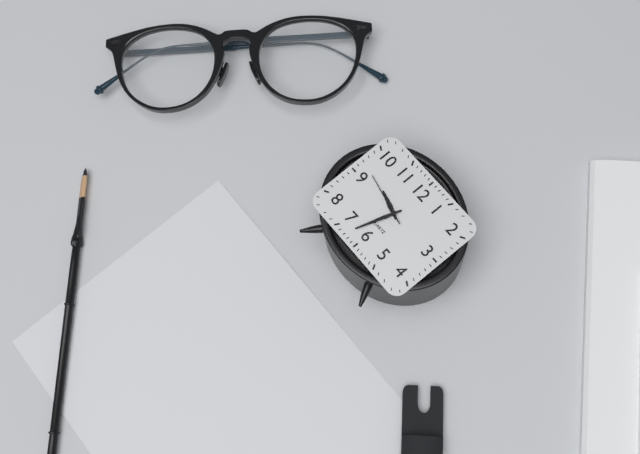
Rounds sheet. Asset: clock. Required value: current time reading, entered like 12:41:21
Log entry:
9:33:47
